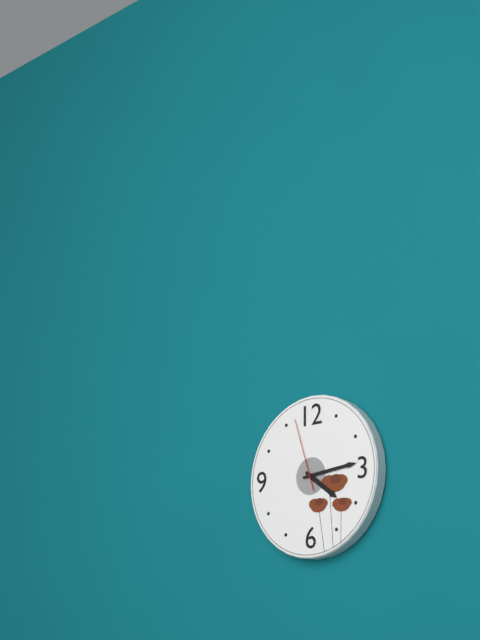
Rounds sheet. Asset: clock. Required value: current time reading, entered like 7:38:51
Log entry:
4:14:57
